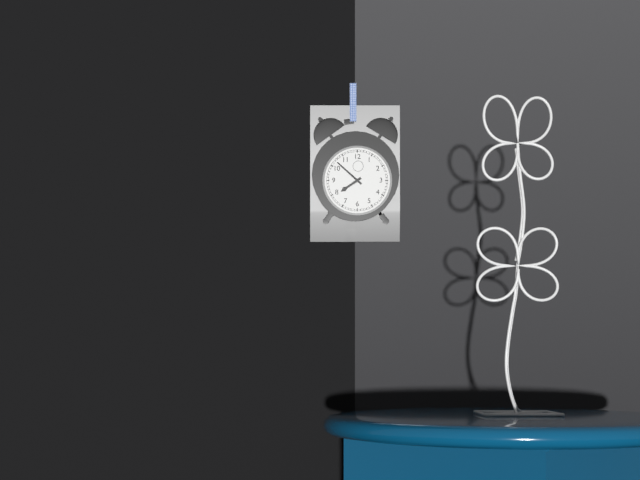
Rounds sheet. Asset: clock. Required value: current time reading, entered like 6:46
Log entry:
7:52
